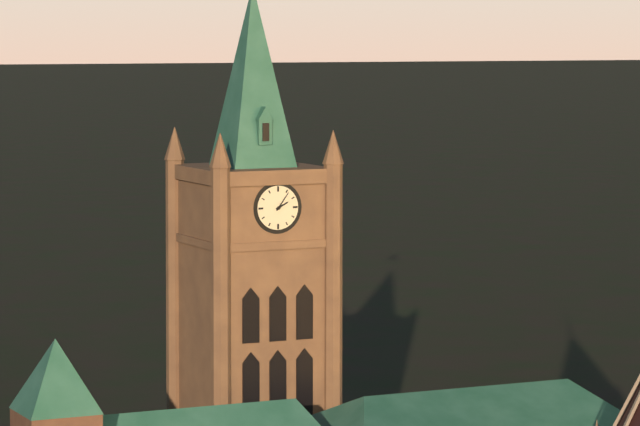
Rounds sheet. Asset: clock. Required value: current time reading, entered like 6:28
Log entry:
2:06
